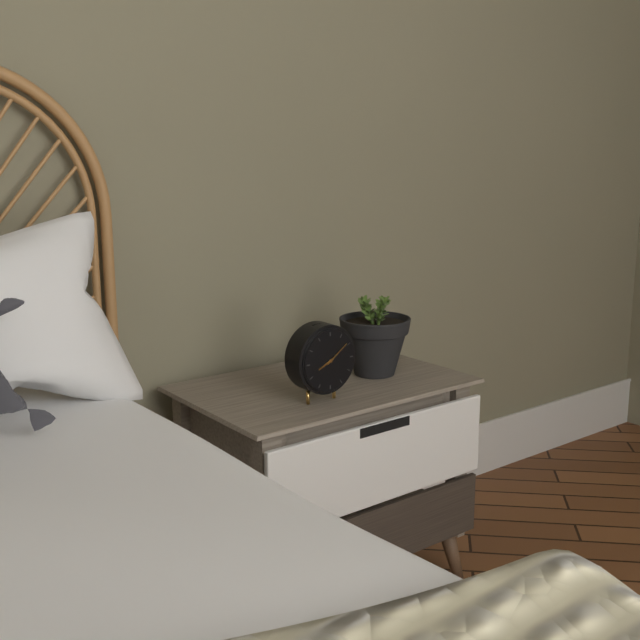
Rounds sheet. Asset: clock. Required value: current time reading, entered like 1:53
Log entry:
8:09
